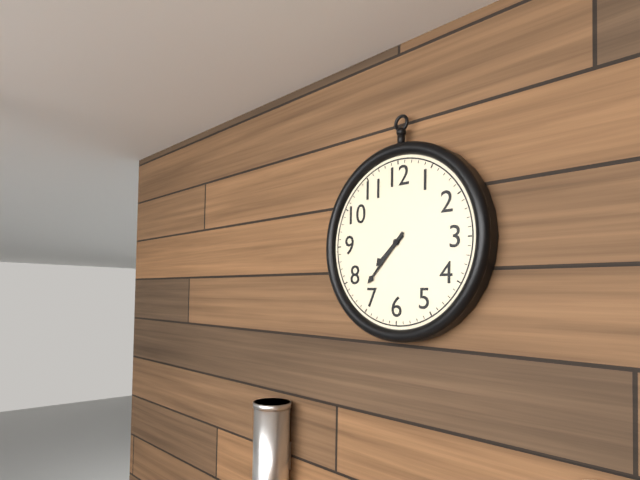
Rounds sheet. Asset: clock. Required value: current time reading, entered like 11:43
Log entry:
7:37
